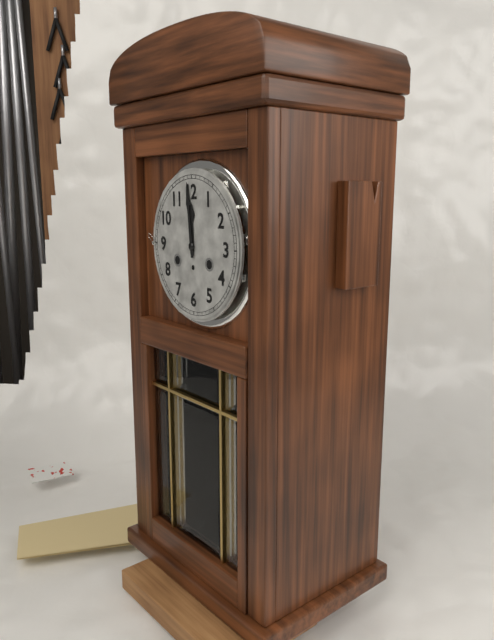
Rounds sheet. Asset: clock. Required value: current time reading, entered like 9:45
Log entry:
11:59
